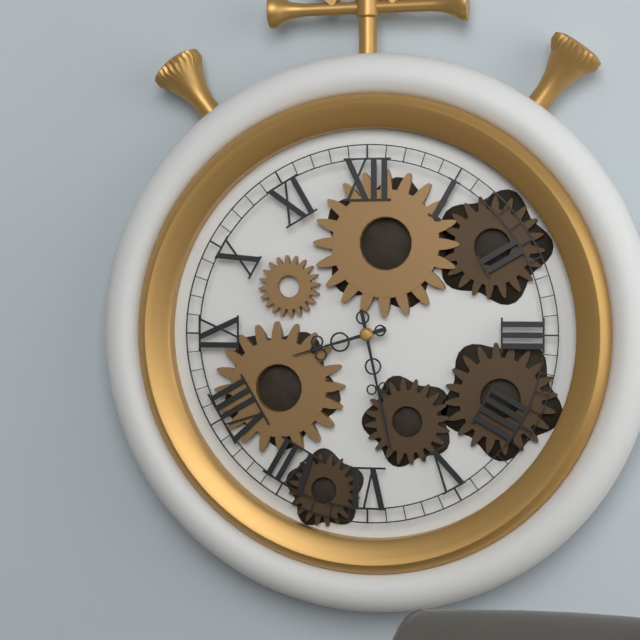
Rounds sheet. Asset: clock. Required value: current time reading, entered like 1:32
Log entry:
8:28
